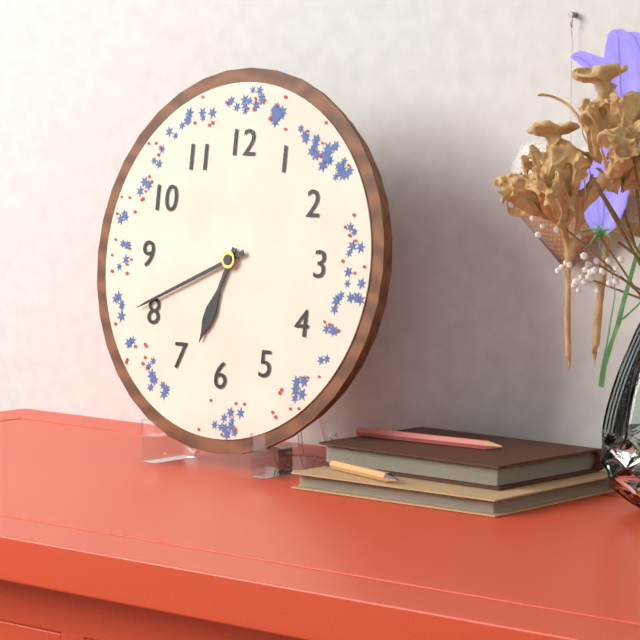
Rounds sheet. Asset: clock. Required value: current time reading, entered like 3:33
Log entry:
6:41
